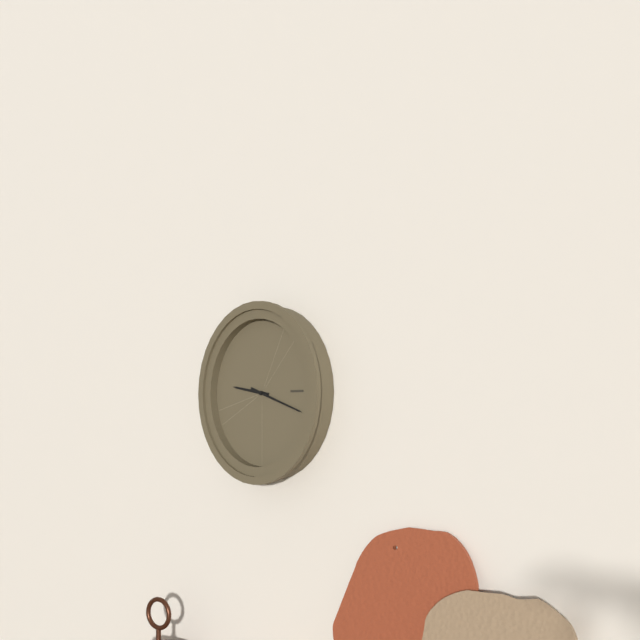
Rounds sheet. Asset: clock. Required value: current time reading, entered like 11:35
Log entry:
9:18
